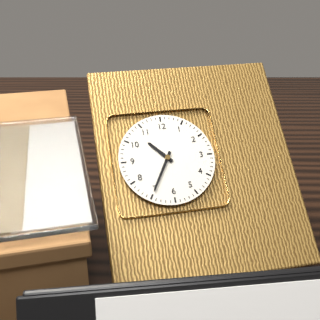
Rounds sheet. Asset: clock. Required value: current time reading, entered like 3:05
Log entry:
10:35
